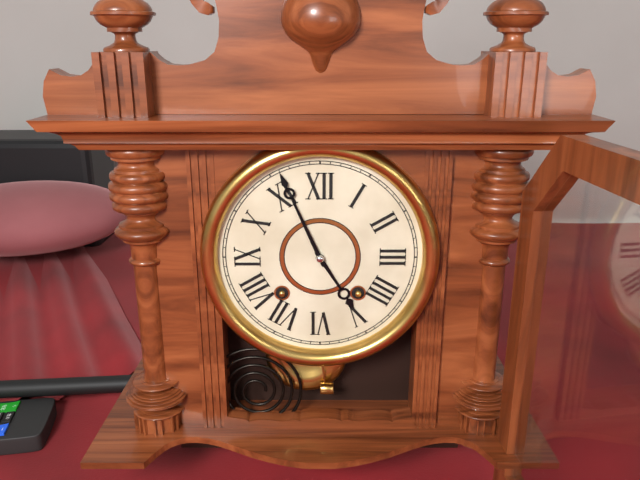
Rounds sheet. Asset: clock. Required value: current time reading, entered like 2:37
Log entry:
4:56
